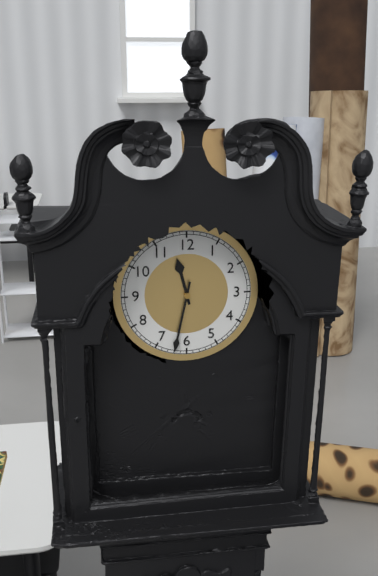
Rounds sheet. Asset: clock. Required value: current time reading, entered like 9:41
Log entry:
11:32
